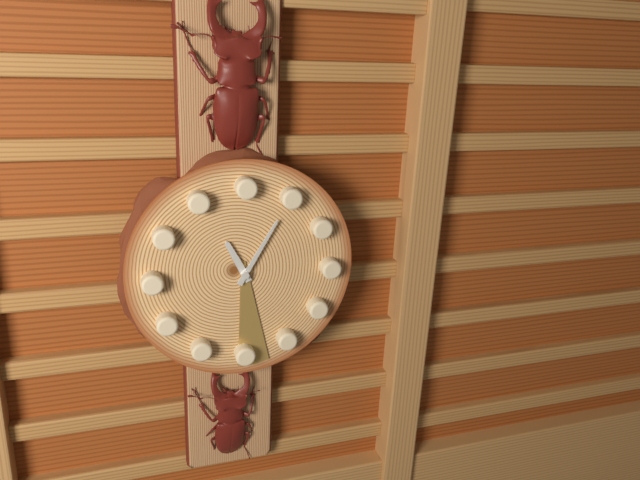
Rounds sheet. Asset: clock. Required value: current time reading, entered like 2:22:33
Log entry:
11:05:29
